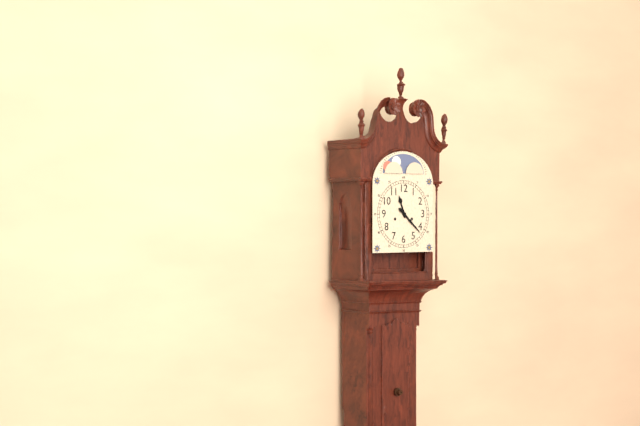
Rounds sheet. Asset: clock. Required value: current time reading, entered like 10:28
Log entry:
11:22
